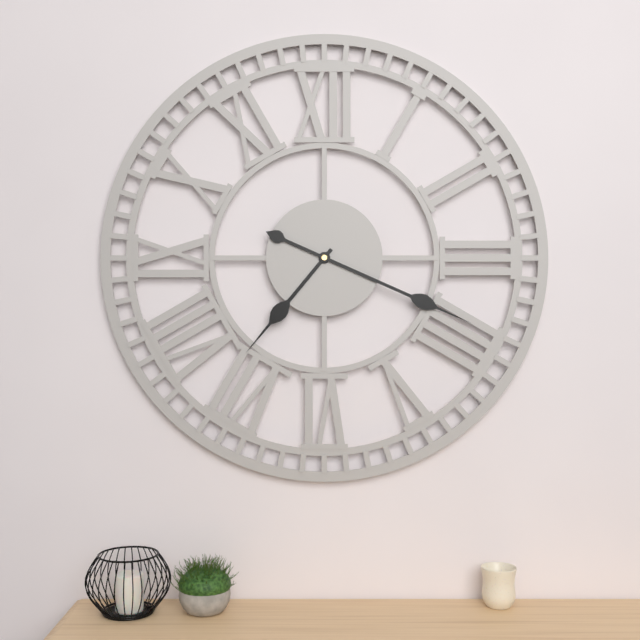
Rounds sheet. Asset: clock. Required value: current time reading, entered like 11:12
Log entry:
7:19
